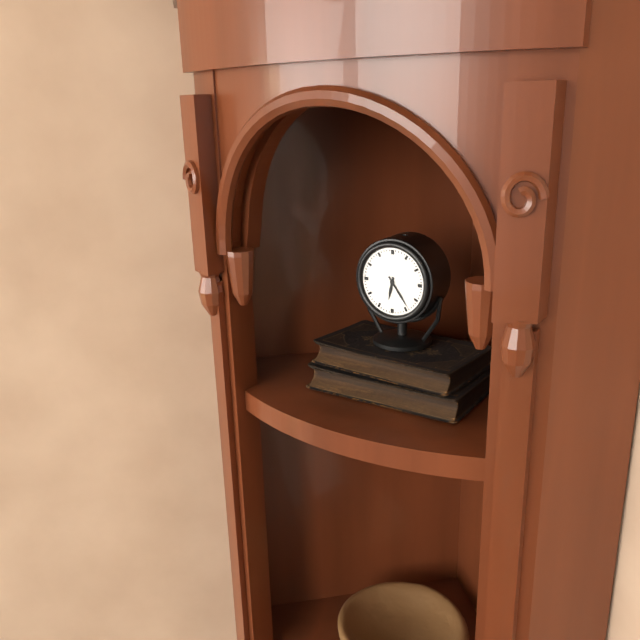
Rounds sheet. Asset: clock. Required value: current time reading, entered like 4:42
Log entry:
6:24
